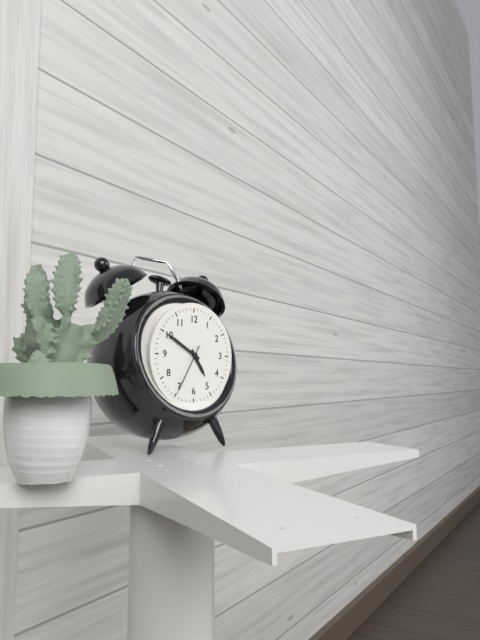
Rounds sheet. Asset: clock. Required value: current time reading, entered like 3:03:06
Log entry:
4:50:35
